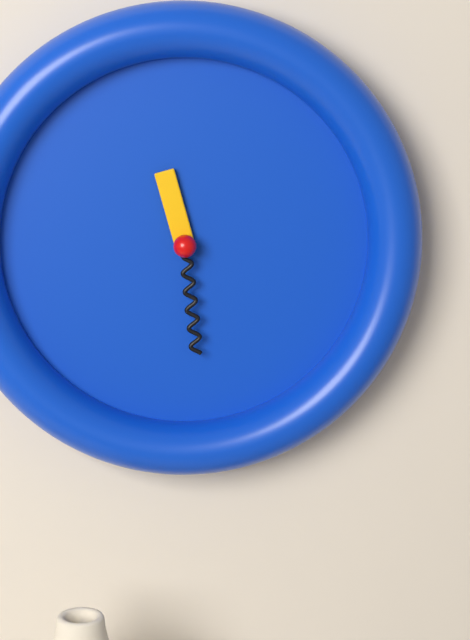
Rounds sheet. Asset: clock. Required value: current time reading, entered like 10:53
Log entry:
11:29
